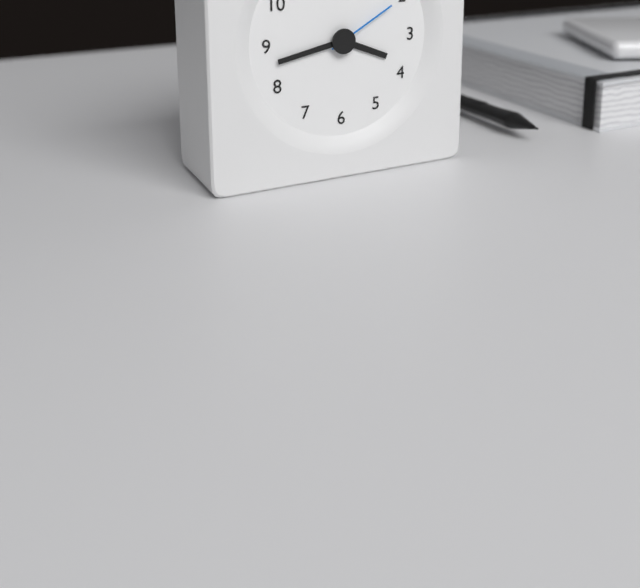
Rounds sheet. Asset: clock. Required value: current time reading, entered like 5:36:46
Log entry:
3:43:10
